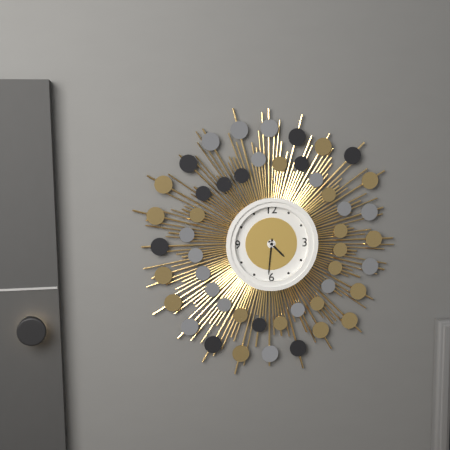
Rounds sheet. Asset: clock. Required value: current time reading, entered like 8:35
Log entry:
4:31
